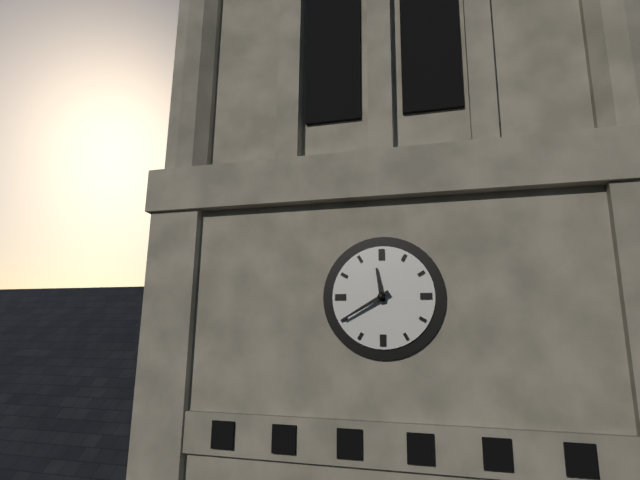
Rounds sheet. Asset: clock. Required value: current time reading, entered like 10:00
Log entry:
11:40
